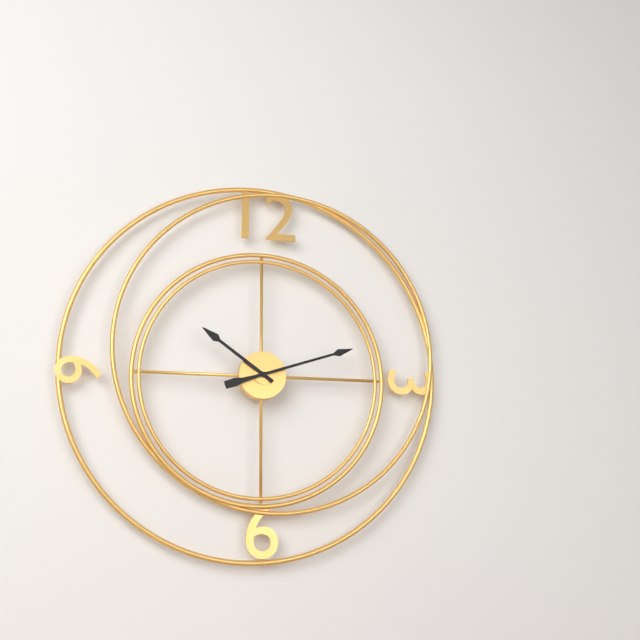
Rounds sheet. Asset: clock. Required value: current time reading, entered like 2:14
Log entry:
10:12
